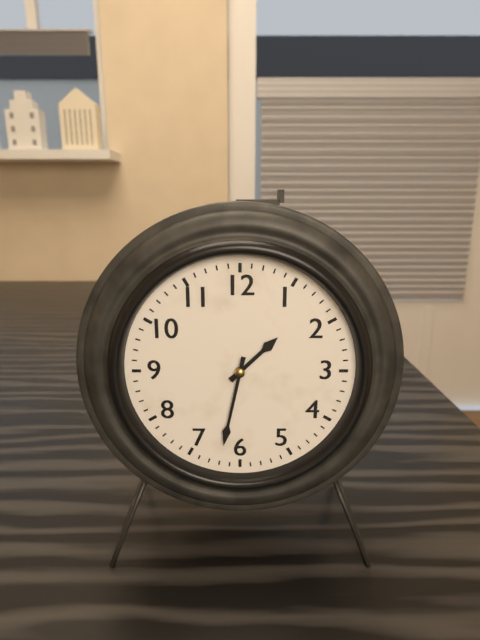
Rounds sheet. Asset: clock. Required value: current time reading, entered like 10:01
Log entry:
1:32
